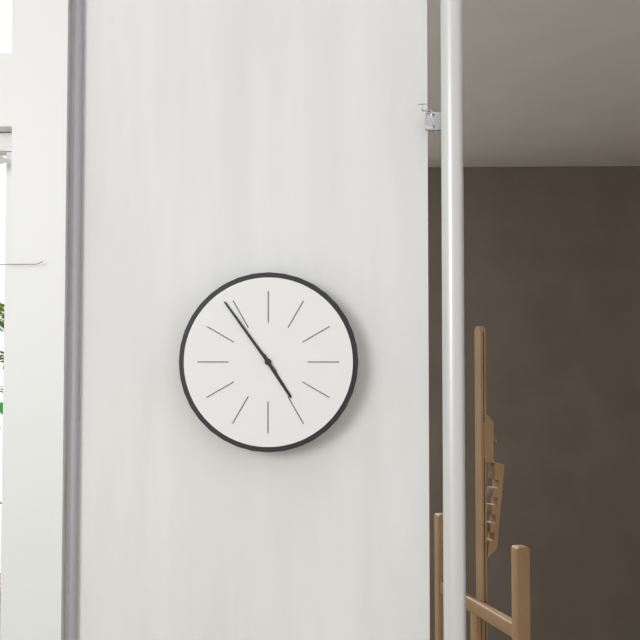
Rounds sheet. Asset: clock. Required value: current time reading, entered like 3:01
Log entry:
4:54
